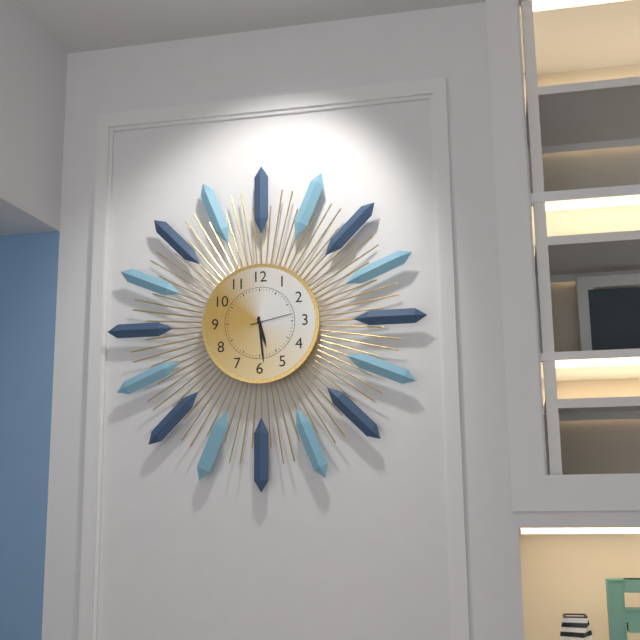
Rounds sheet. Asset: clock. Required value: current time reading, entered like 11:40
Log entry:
5:29
